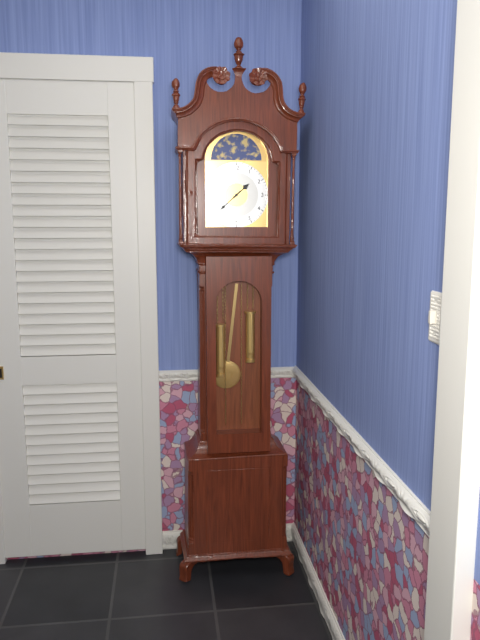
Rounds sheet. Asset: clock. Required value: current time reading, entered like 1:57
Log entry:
1:38
